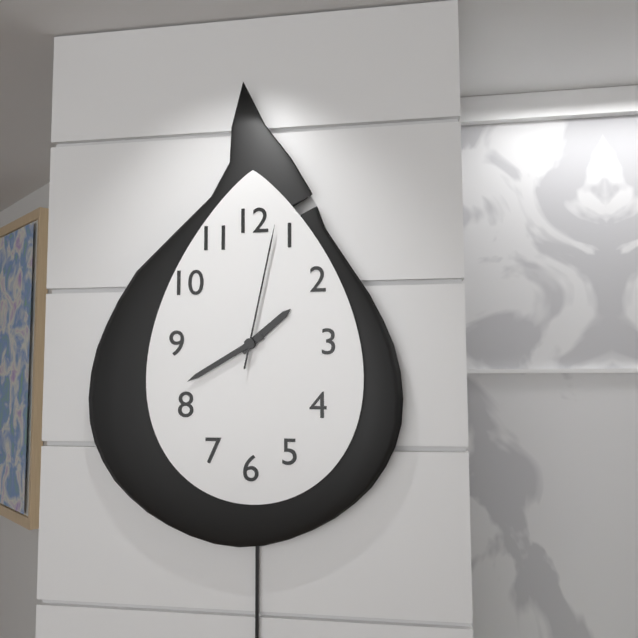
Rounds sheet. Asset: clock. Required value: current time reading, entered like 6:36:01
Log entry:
1:40:02
